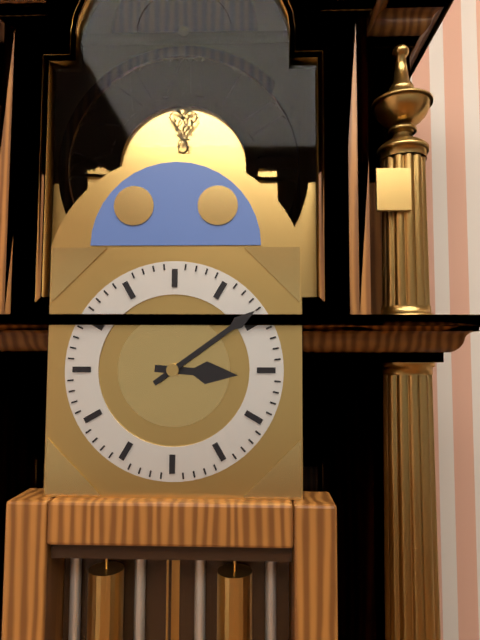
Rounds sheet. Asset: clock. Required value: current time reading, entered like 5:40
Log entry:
3:09
